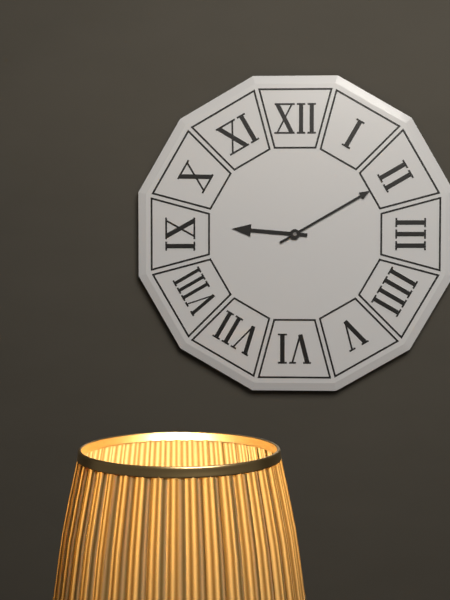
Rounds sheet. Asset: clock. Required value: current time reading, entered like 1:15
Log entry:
9:10
